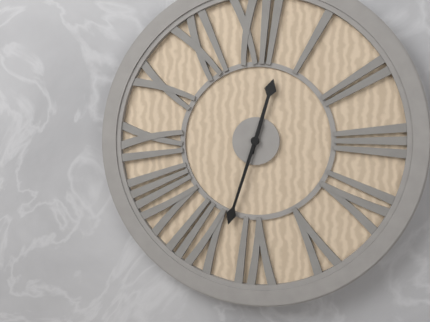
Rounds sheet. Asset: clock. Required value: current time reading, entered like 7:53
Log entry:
12:33
